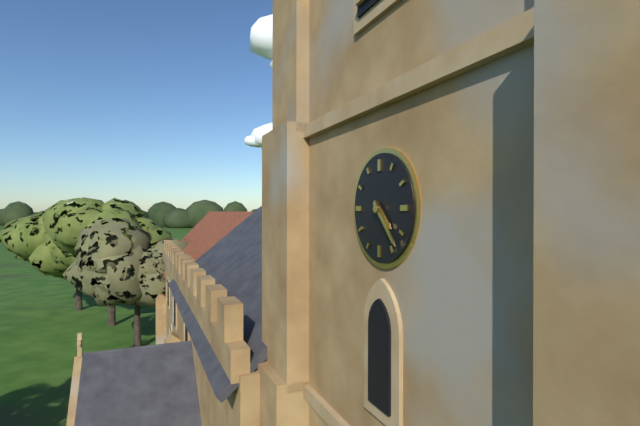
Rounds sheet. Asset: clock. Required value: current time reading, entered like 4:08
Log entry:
4:23
